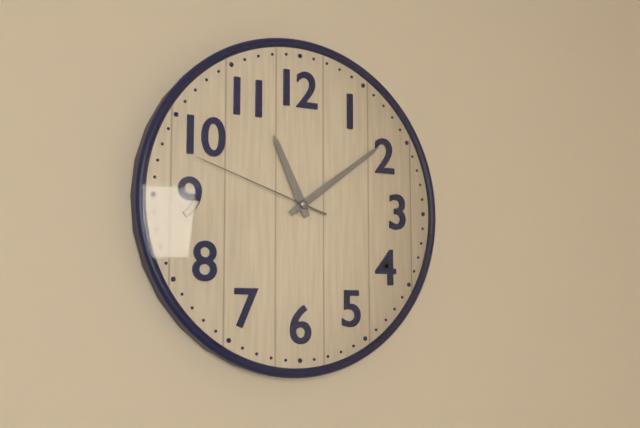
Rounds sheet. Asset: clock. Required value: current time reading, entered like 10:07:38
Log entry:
11:09:48
